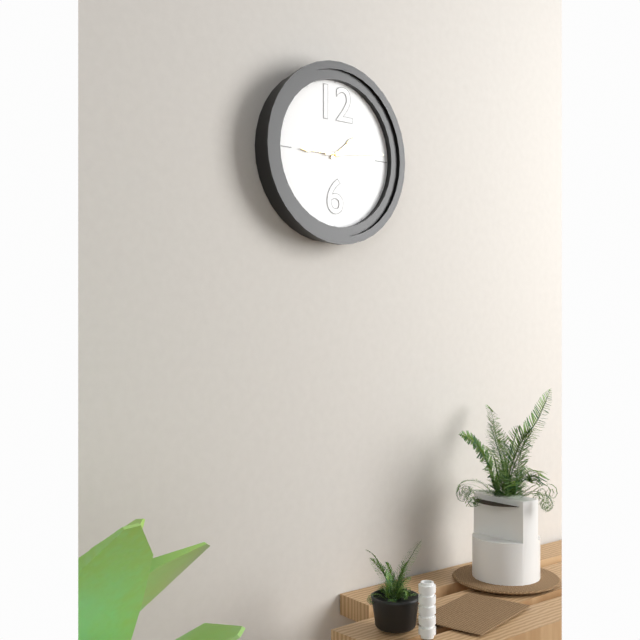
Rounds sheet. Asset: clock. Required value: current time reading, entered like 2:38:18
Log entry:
1:45:14
